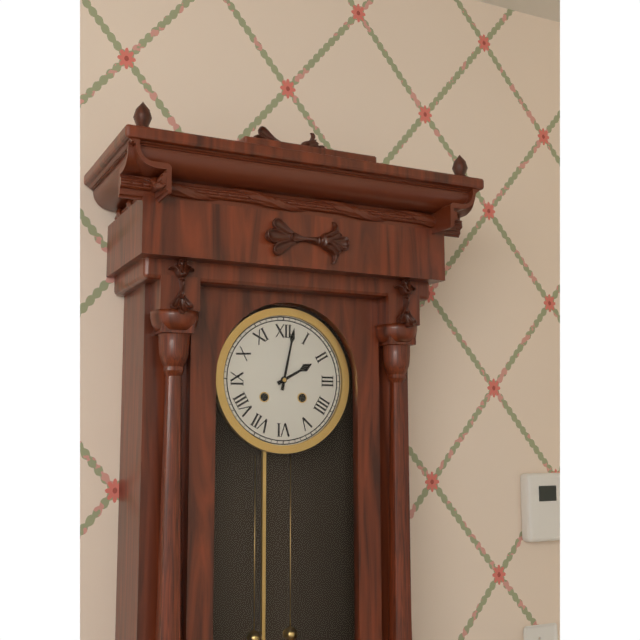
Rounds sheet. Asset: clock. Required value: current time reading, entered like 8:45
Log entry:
2:02
